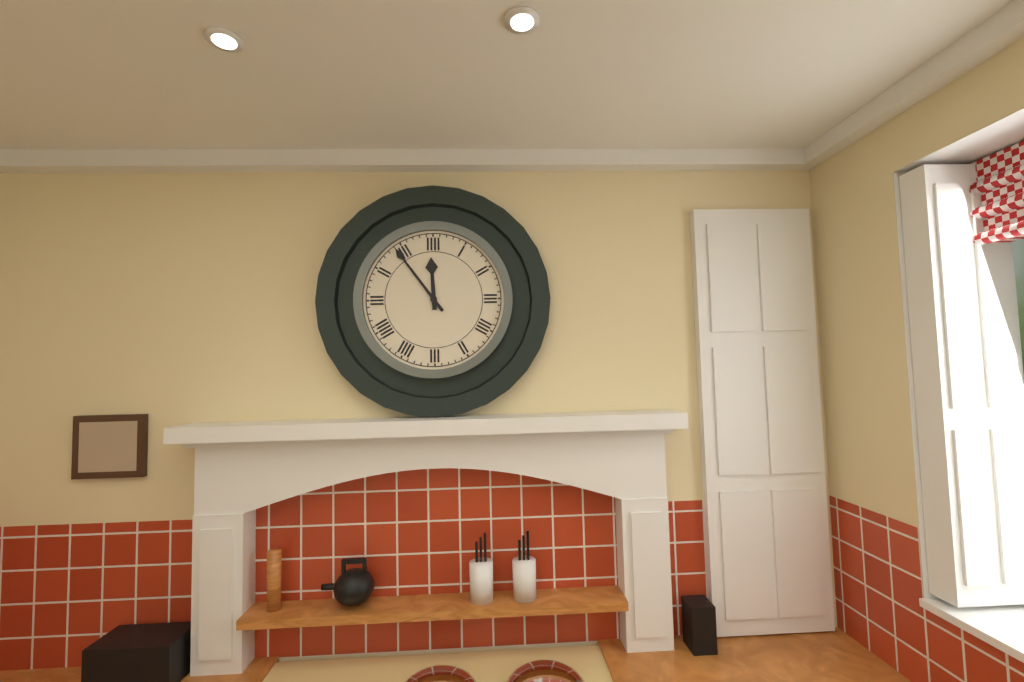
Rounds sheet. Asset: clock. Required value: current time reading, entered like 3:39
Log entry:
11:54
